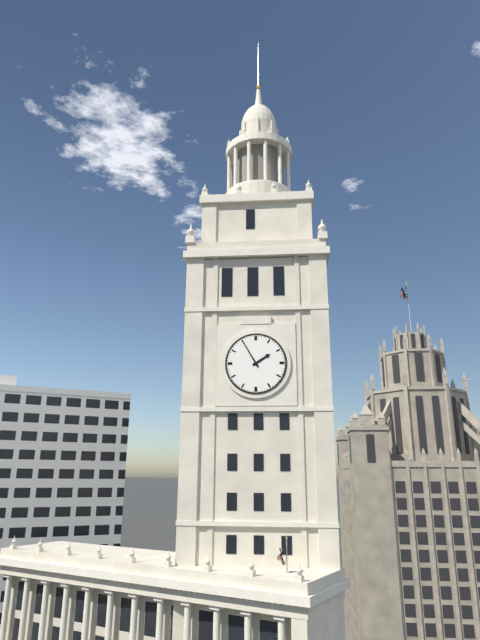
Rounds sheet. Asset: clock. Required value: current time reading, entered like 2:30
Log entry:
1:55
